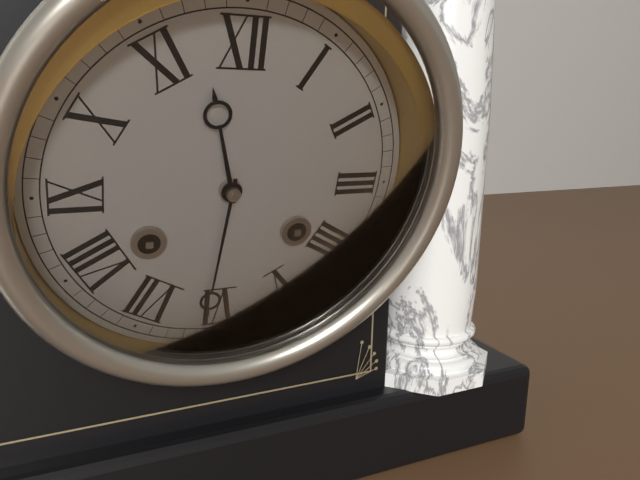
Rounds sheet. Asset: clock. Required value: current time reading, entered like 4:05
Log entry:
11:31
